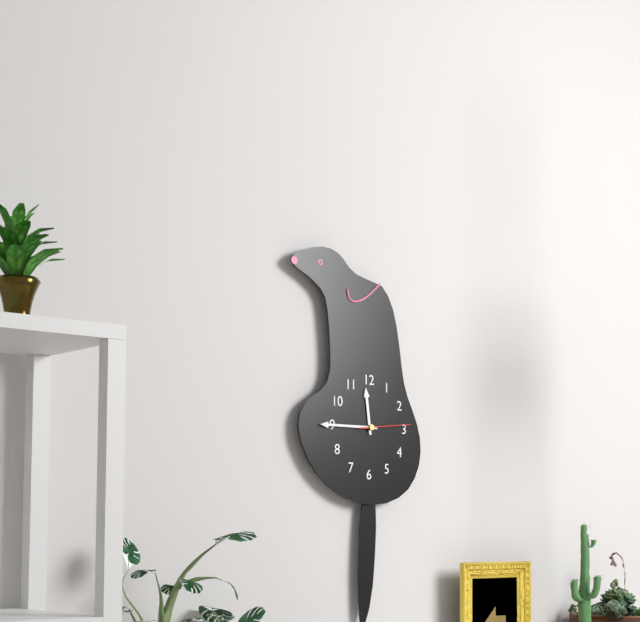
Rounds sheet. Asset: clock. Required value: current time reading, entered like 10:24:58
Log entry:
11:45:14
